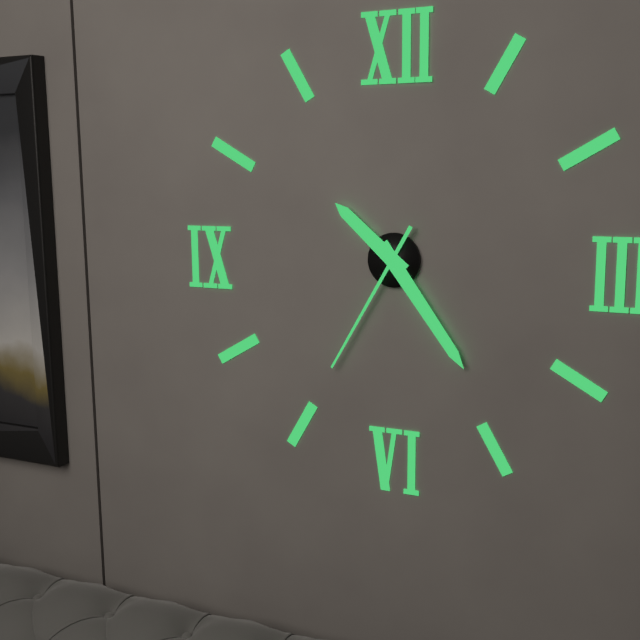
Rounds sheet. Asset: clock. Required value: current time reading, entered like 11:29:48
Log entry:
10:24:35
